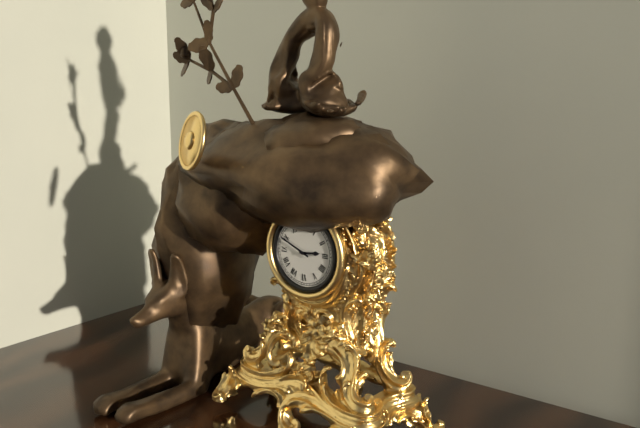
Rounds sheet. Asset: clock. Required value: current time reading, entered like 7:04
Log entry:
2:49
